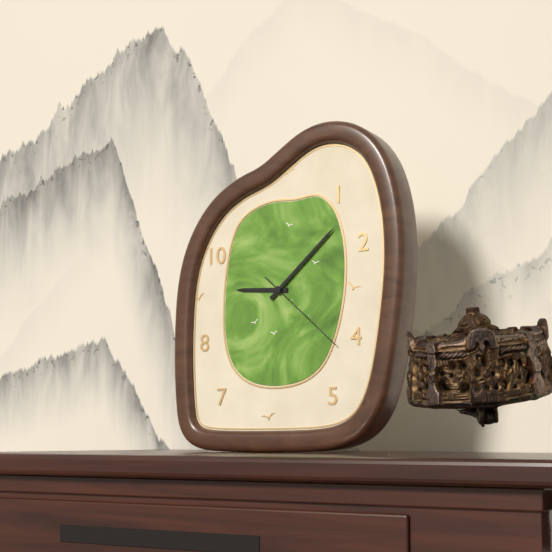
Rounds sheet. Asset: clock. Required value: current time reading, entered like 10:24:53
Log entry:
9:08:22
